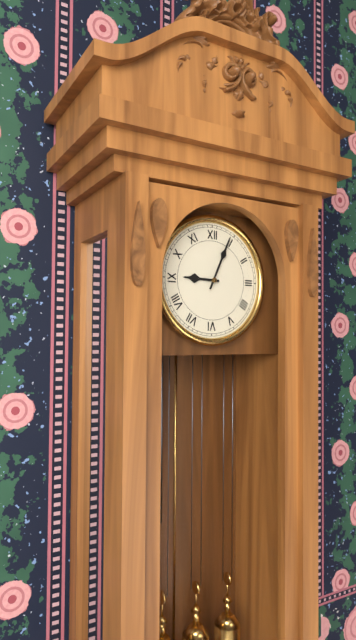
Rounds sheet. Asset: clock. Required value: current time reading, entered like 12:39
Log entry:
9:04
